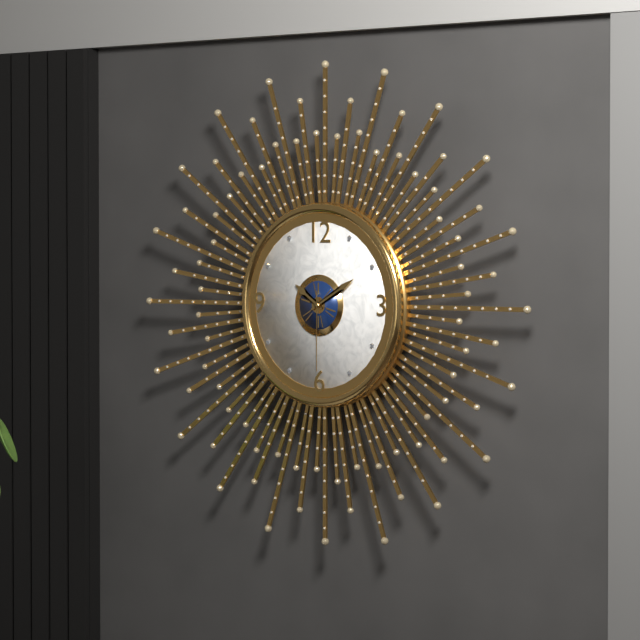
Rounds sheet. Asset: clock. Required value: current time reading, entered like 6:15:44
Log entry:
10:10:30
